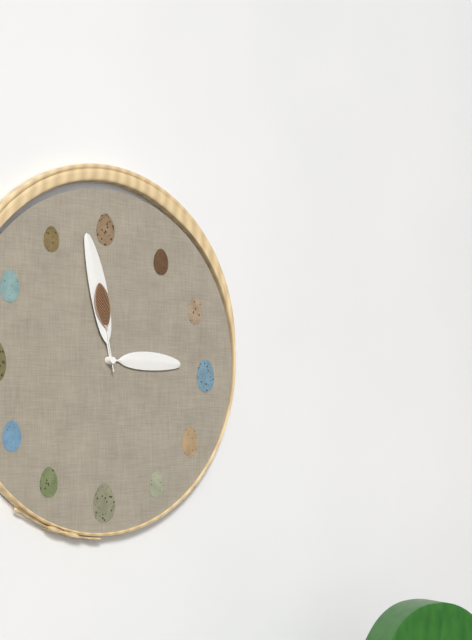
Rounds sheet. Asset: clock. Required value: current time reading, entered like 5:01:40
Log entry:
2:58:58
